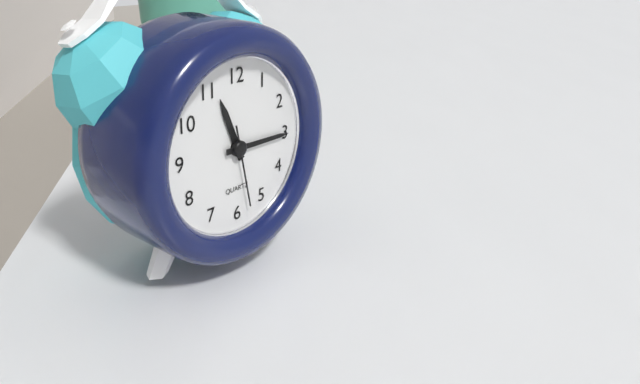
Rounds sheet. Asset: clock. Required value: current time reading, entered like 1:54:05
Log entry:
11:15:28
